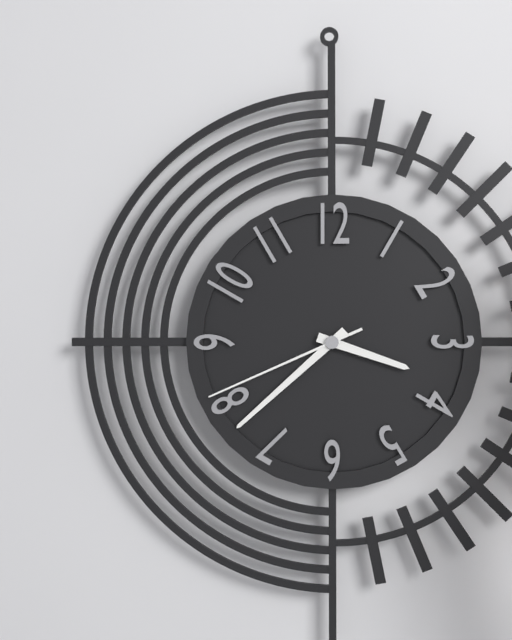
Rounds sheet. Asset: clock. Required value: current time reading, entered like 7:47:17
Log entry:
3:38:41
